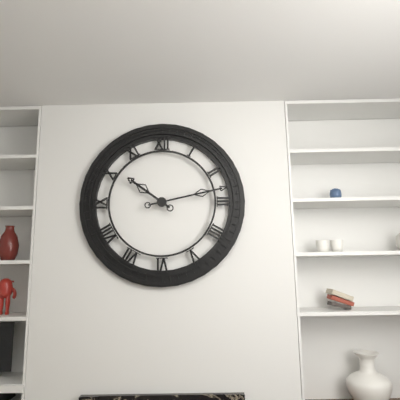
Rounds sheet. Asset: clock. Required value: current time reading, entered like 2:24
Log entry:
10:13
